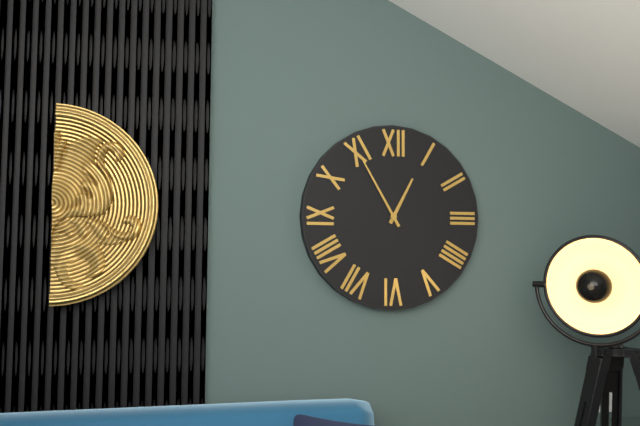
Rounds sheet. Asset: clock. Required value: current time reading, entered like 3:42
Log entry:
12:55
